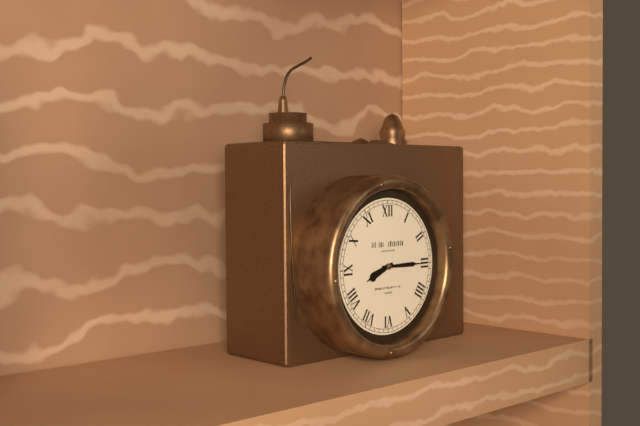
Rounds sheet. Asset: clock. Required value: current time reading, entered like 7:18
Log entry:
8:15
